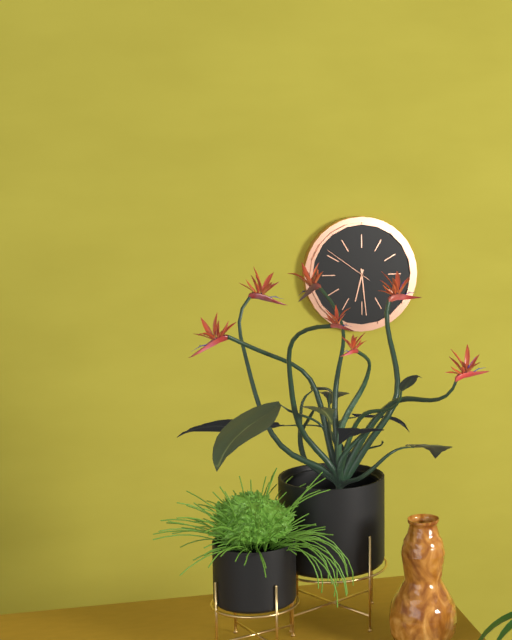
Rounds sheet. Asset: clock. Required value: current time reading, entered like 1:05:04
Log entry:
6:29:51
